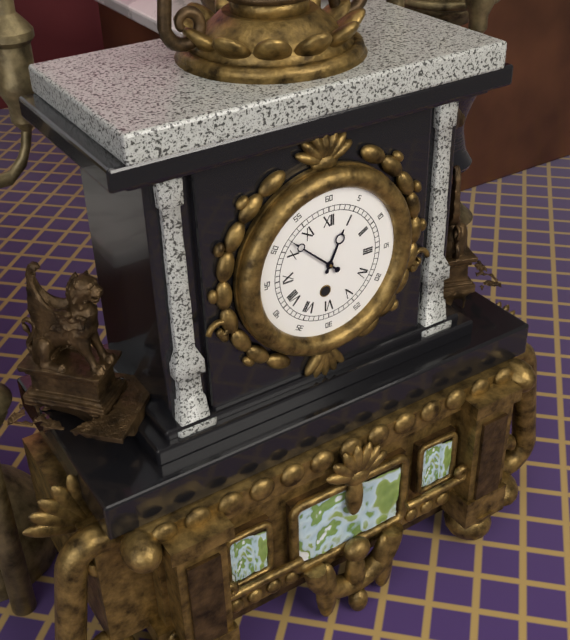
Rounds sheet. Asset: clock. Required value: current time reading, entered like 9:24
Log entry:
12:52
